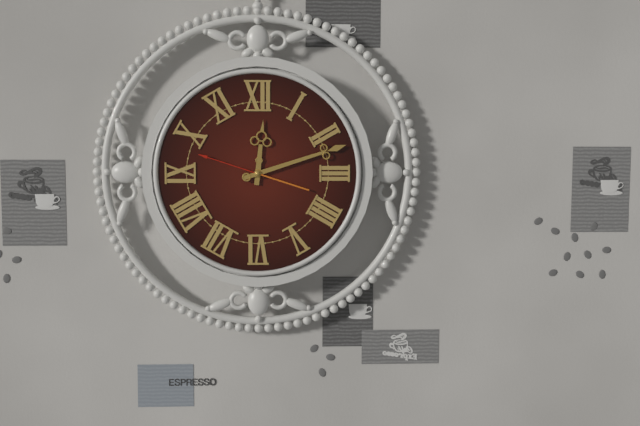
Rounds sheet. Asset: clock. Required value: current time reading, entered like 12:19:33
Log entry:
12:12:48
